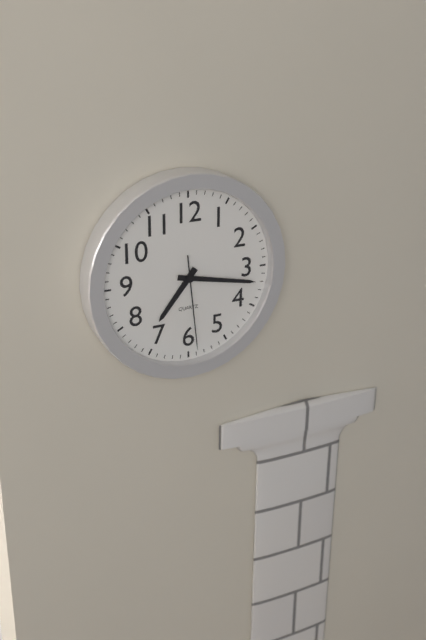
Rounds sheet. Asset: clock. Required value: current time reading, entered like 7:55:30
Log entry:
7:17:29
